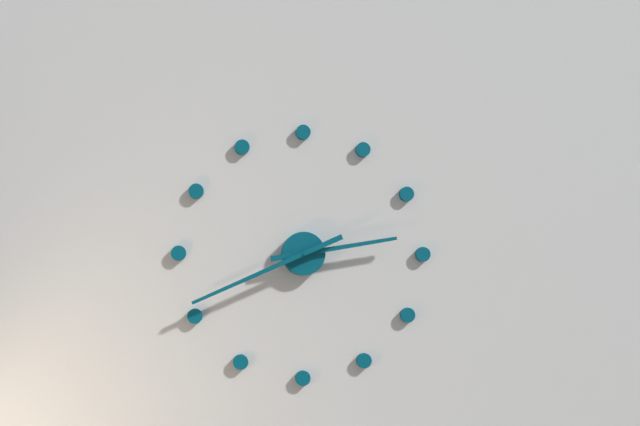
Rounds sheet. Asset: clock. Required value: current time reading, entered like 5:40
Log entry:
2:41
